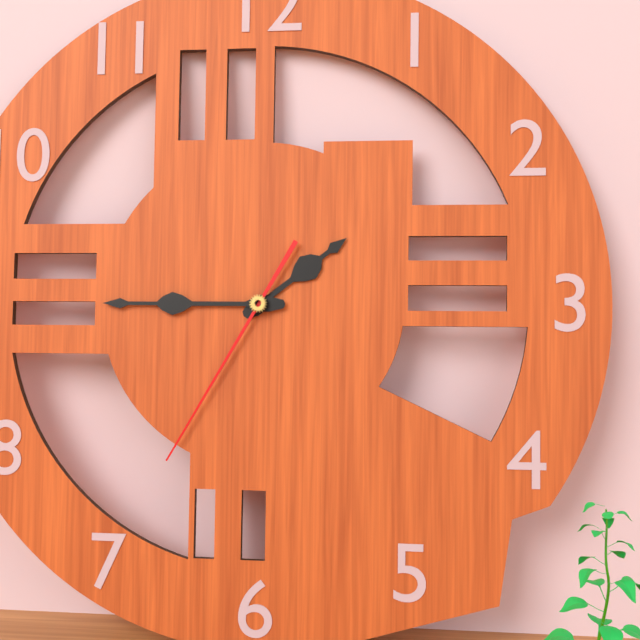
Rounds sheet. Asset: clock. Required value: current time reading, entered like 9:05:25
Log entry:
1:45:35
